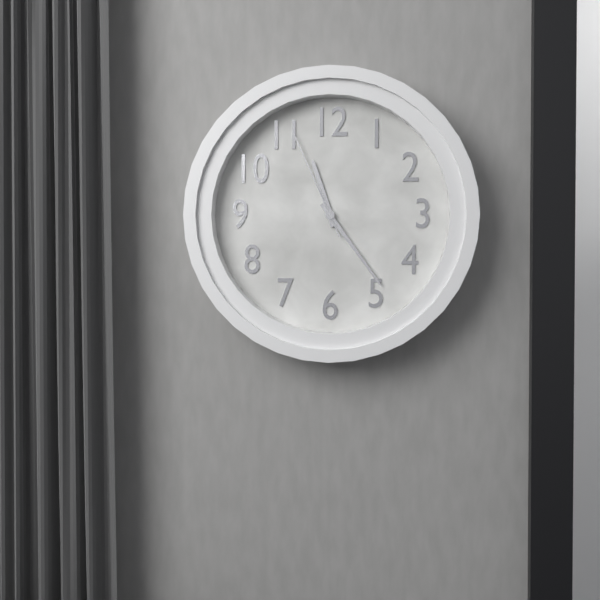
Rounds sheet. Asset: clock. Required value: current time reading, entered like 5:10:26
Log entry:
11:24:56
